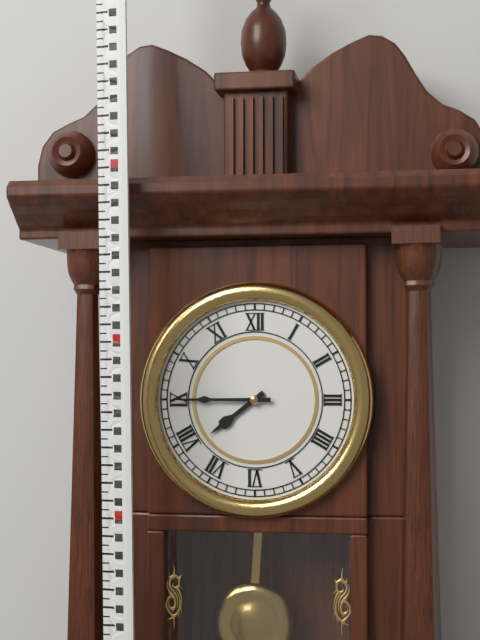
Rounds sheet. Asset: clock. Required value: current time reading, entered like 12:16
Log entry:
7:45
